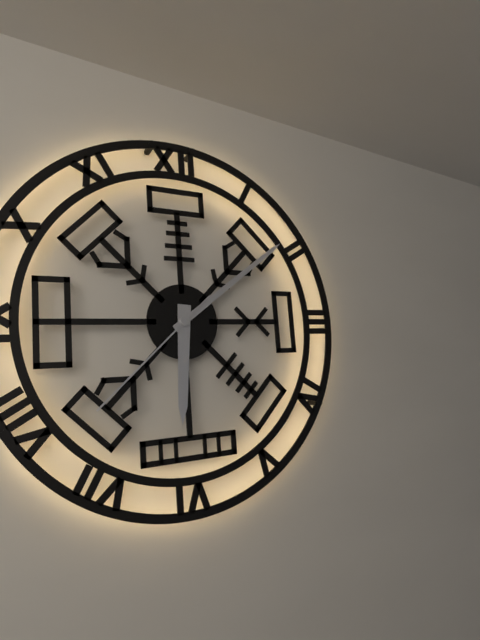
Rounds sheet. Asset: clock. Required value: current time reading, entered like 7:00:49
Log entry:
6:09:38
